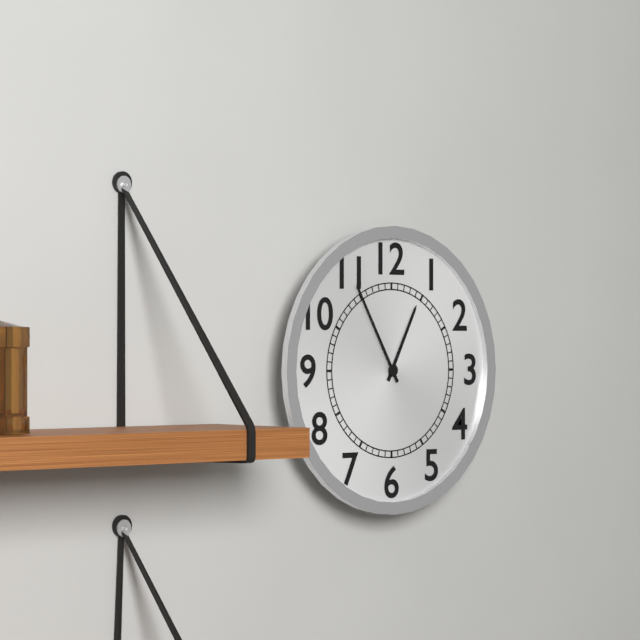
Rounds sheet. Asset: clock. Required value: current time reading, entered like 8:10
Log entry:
12:55
